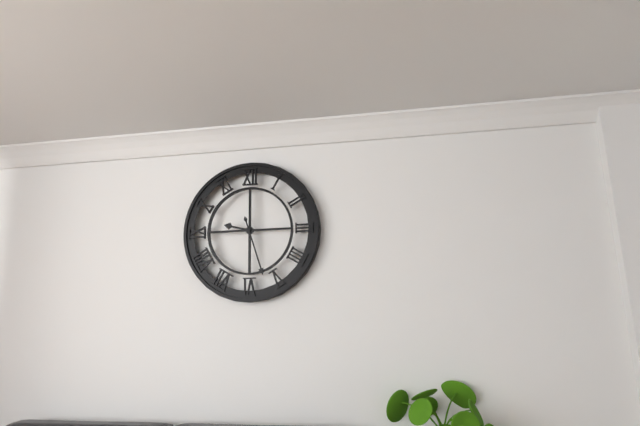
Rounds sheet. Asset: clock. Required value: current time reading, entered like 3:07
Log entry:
9:27
